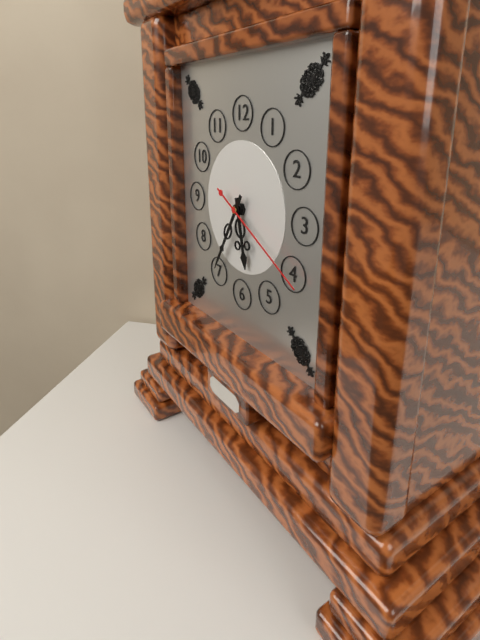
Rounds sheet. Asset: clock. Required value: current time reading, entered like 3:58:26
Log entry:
5:35:20
